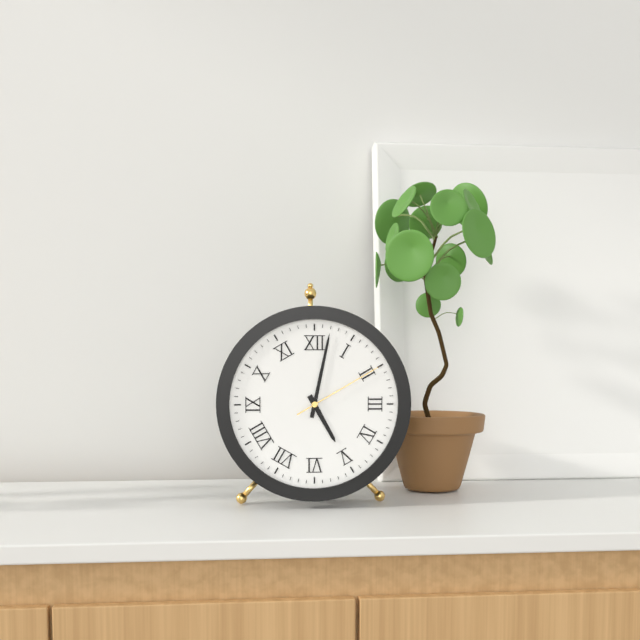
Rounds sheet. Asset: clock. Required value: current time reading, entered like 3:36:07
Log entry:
5:02:10
